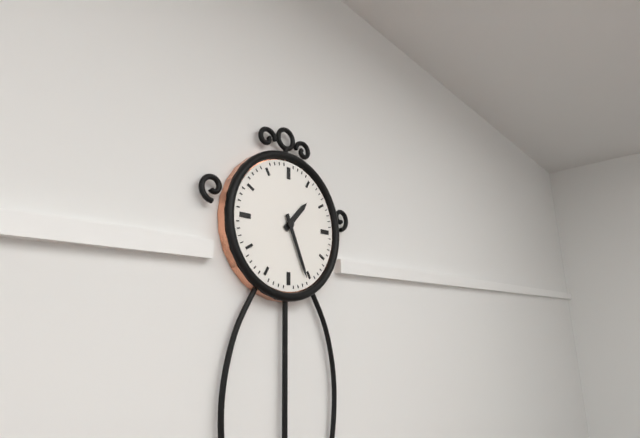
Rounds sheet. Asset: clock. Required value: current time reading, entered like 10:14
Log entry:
1:26
